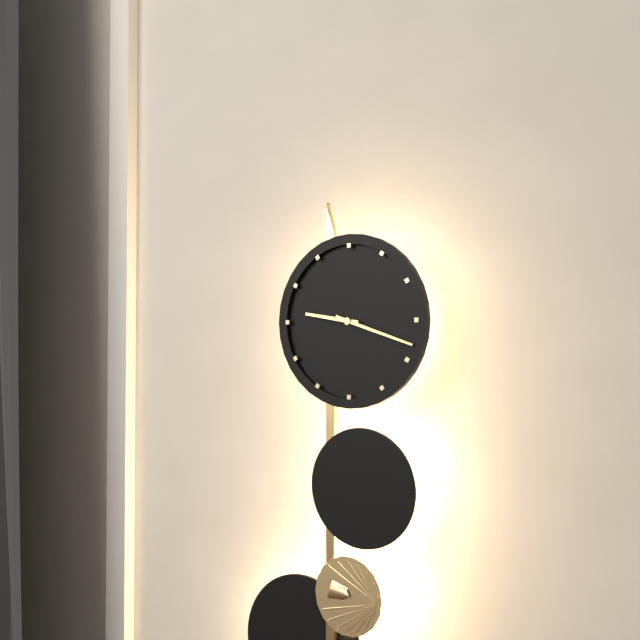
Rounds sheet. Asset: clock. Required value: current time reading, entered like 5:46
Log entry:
9:18
